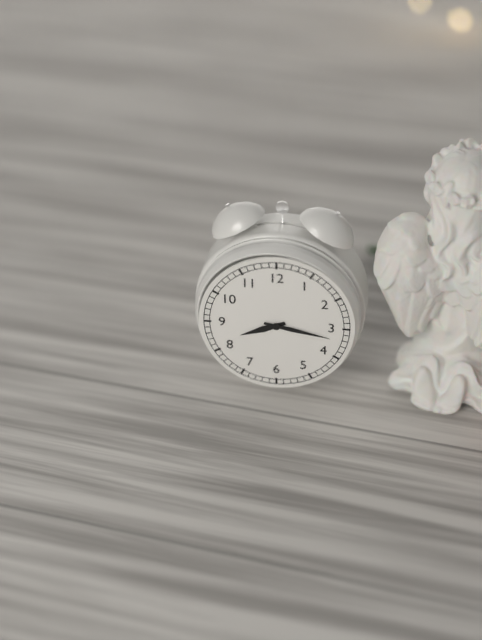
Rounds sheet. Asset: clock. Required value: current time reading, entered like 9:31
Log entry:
8:17
